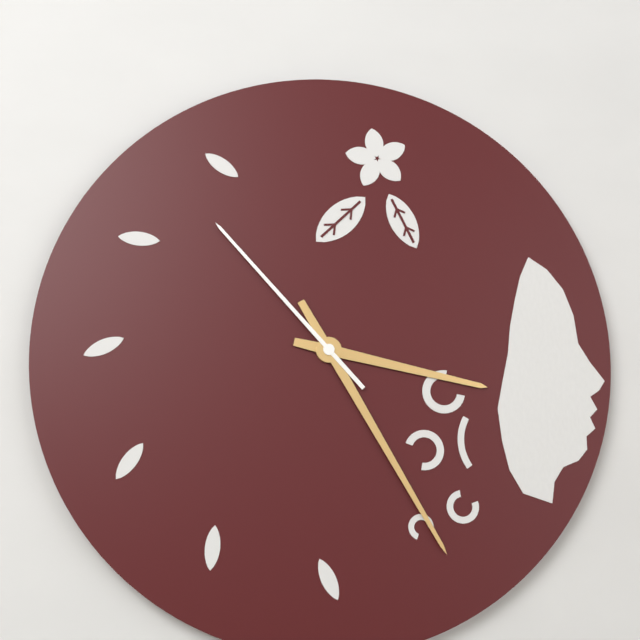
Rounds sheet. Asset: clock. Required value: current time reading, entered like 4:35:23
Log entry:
3:25:53
